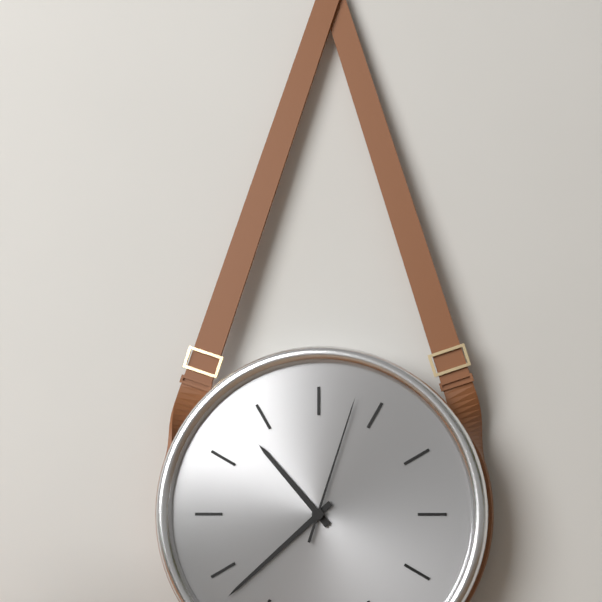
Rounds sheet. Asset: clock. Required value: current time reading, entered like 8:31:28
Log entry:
10:38:03
